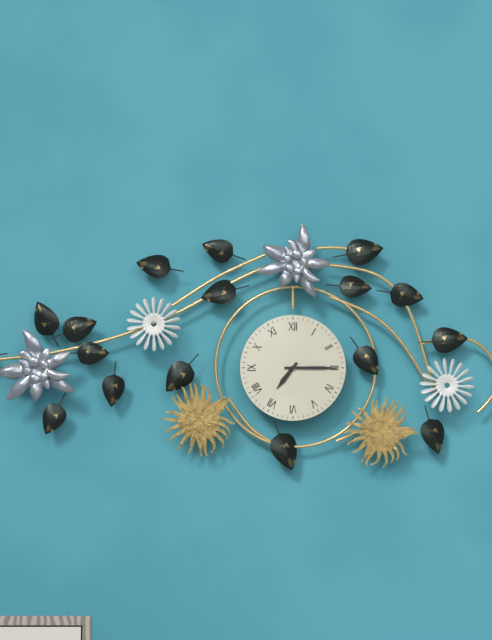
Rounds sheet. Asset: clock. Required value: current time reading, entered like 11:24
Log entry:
7:15
